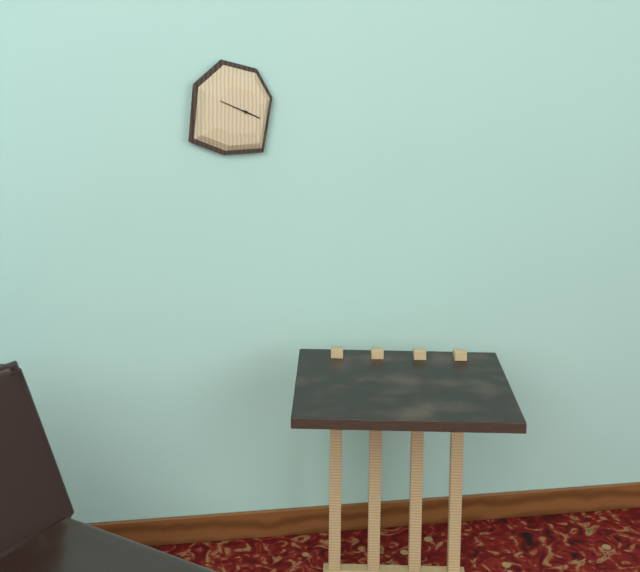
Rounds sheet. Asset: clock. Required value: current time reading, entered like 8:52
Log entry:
3:49
